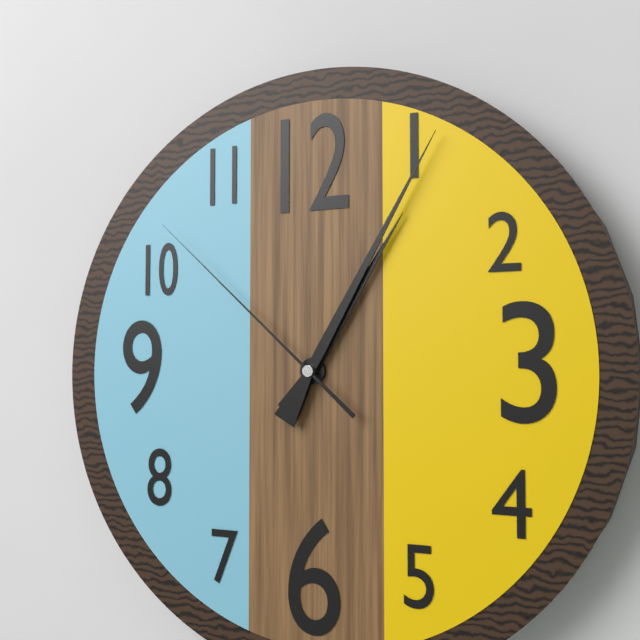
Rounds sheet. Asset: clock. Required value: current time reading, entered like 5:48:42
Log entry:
1:05:52
